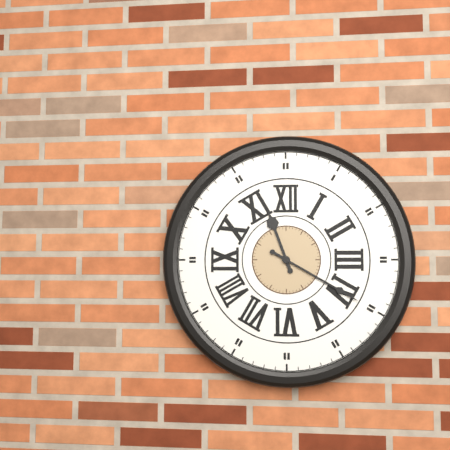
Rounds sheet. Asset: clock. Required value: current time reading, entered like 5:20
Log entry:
11:20
